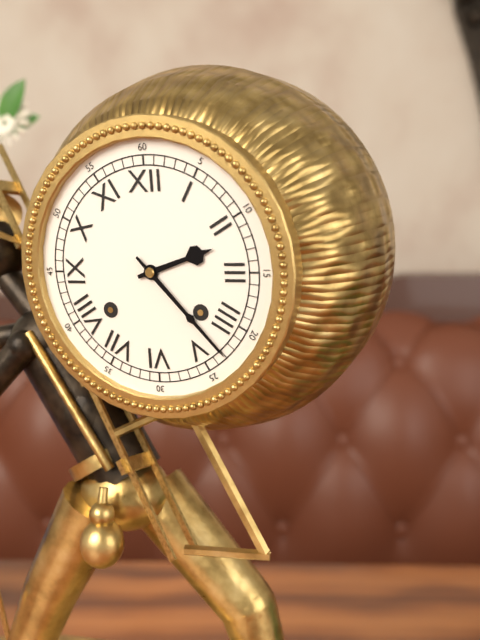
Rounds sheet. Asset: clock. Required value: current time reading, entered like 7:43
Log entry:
2:23
